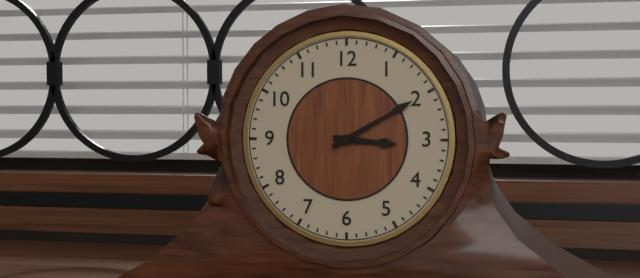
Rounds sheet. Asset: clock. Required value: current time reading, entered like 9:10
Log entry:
3:10
